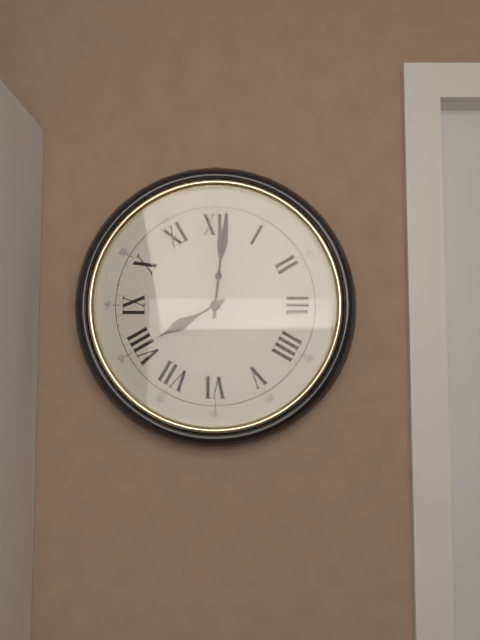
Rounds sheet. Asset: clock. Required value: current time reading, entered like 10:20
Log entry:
8:01
